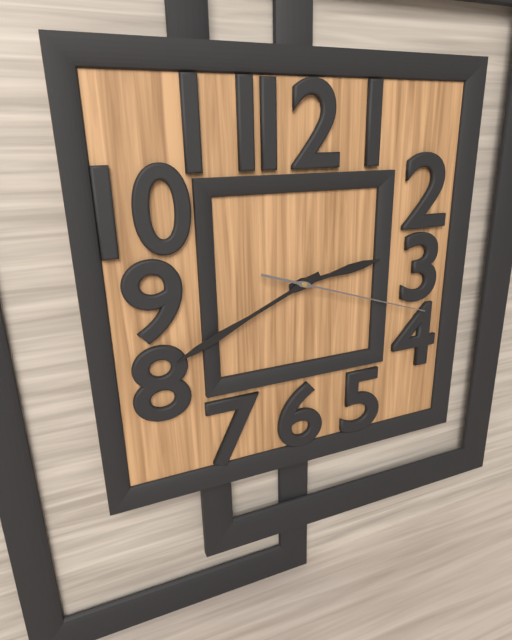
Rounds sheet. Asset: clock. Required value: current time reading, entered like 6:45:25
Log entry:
2:41:18
